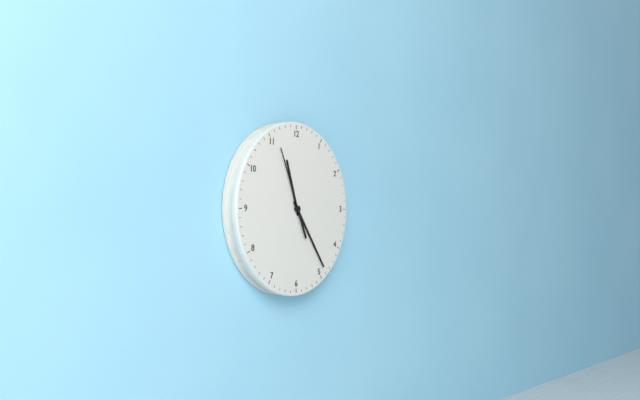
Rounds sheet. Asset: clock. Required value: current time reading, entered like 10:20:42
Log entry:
11:24:56
